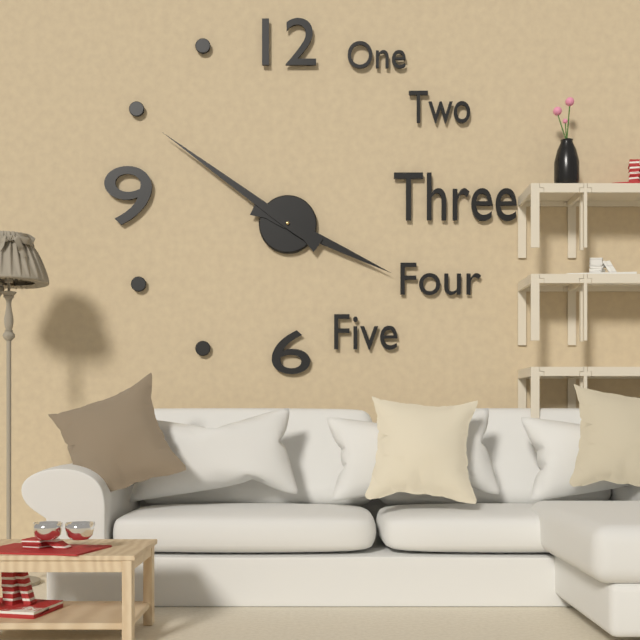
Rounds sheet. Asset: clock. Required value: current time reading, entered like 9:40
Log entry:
3:51
